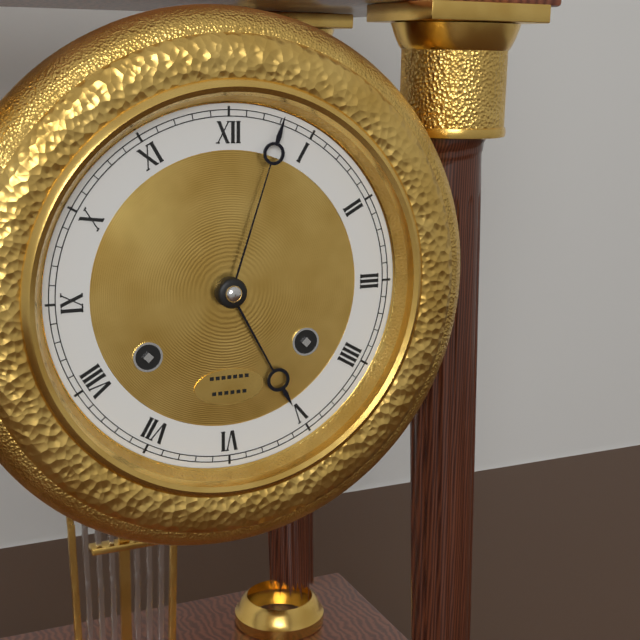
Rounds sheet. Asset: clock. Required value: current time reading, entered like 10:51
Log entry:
5:03
